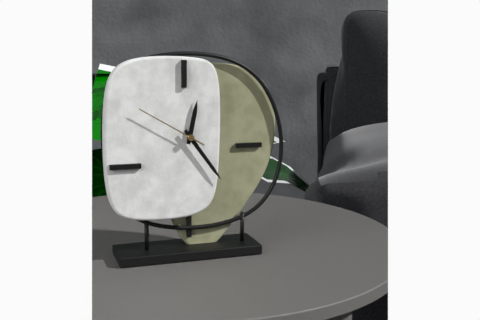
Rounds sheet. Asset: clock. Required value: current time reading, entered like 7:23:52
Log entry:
12:24:50
